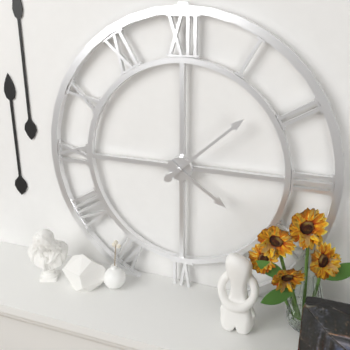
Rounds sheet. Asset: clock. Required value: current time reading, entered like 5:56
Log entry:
4:08
